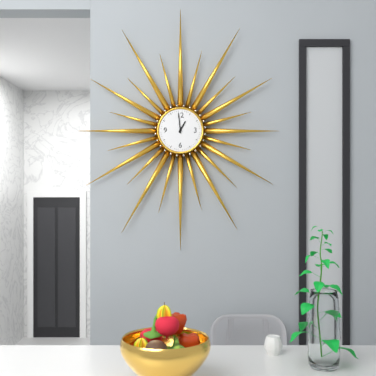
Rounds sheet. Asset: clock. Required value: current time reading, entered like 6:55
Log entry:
12:59
